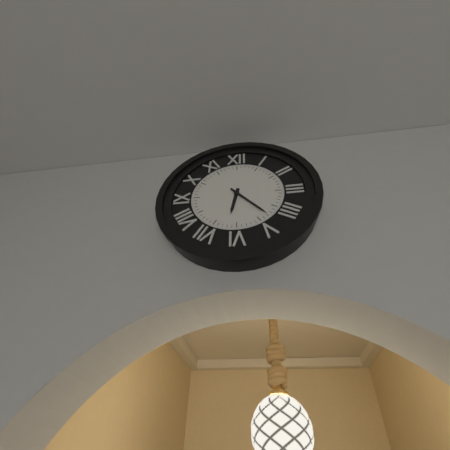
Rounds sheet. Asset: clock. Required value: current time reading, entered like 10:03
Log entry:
6:23
